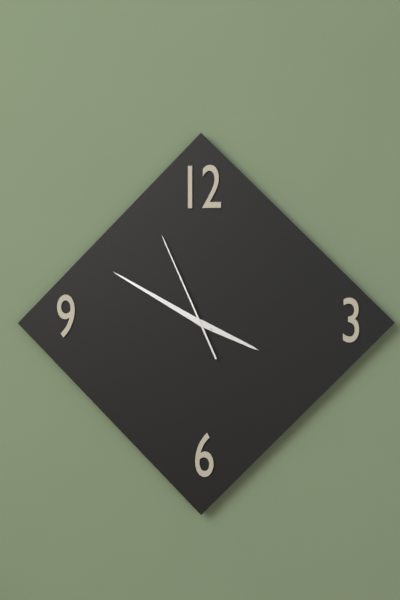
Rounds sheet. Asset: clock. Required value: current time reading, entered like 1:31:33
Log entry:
3:50:56
